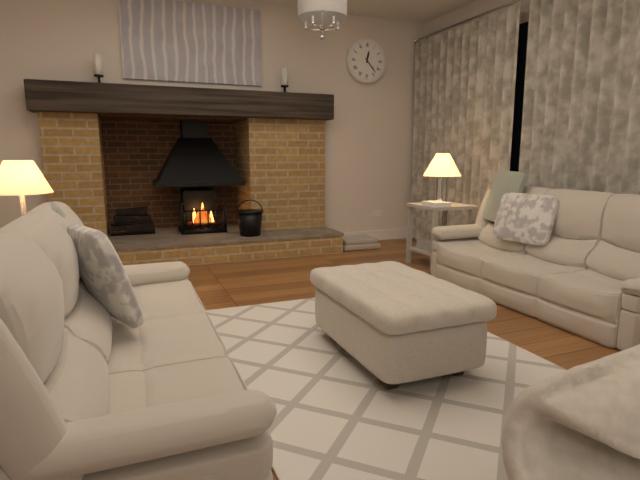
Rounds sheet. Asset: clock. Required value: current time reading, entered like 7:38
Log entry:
12:23
